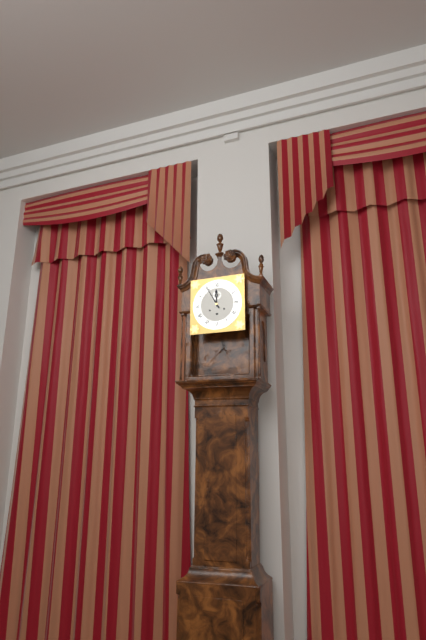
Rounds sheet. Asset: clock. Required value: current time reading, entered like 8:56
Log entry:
11:55
